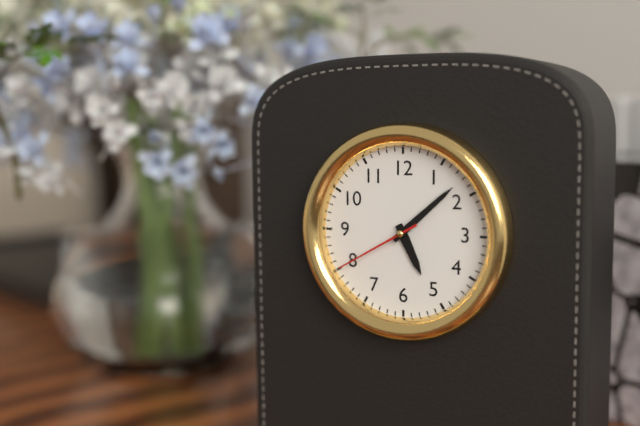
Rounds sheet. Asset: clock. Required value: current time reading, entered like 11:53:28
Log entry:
5:08:40
